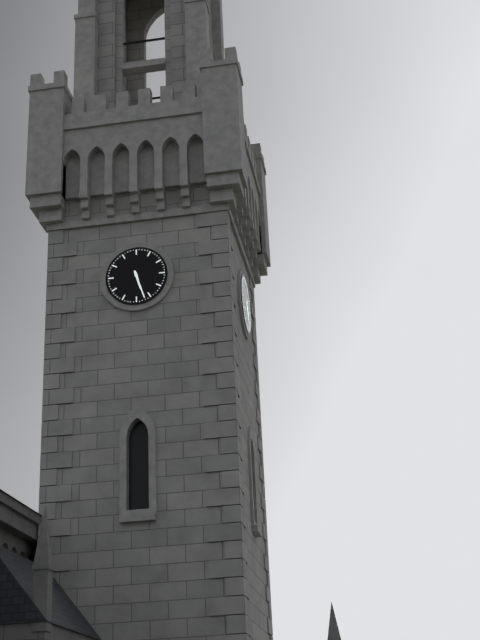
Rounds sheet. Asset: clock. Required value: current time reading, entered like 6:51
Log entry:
5:27
